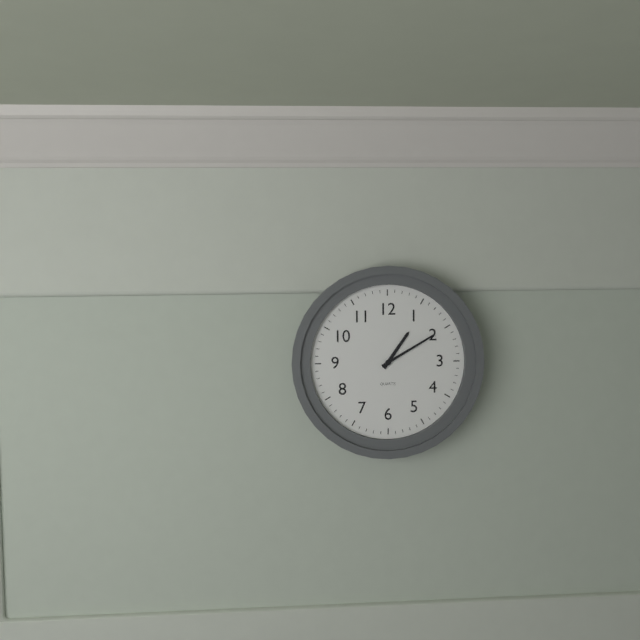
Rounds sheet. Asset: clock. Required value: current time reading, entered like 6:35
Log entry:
1:10
